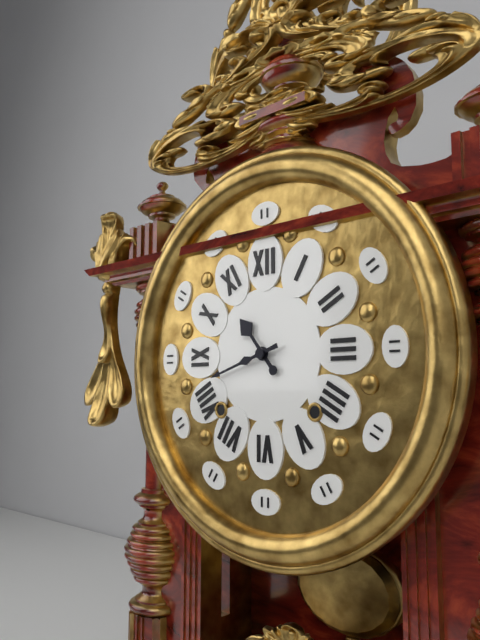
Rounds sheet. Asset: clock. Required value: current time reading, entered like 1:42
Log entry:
10:42
